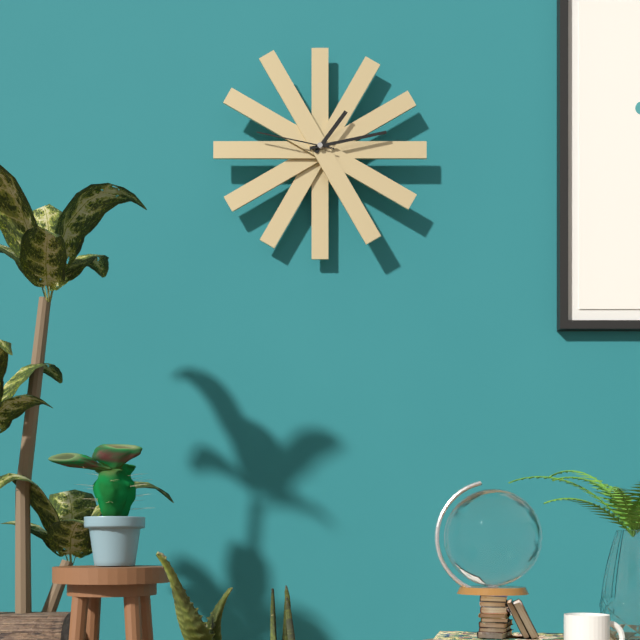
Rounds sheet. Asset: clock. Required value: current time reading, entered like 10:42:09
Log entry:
1:13:47
